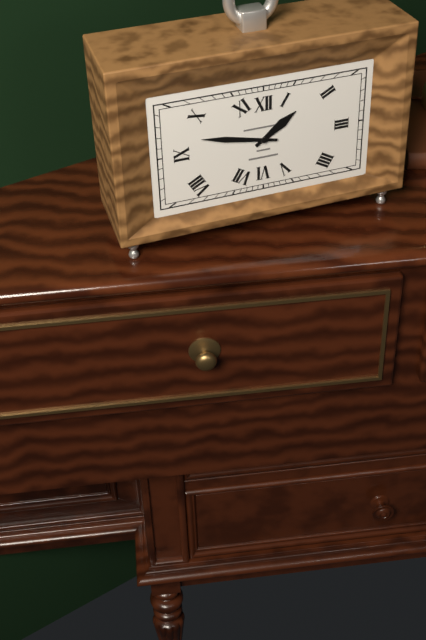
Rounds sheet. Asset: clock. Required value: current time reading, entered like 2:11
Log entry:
1:47
